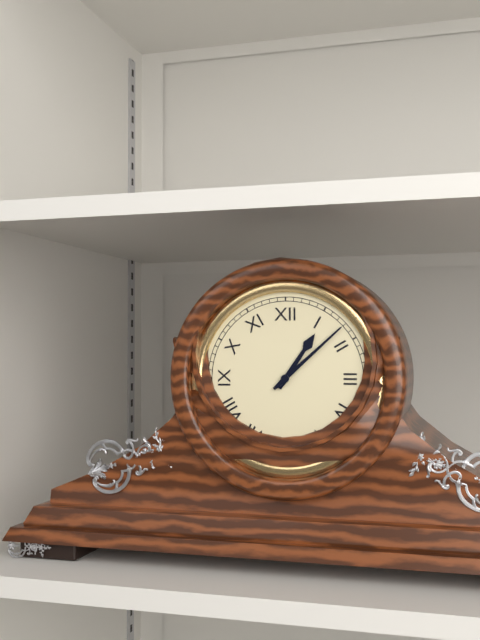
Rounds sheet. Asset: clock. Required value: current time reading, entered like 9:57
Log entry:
1:08
